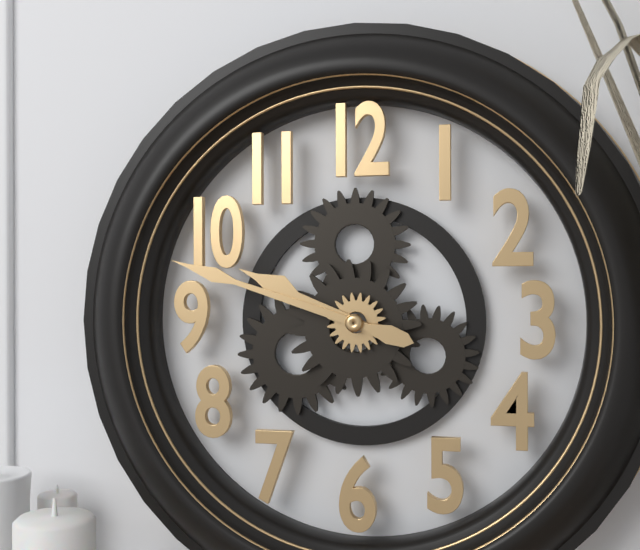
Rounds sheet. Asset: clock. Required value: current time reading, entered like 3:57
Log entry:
9:48
